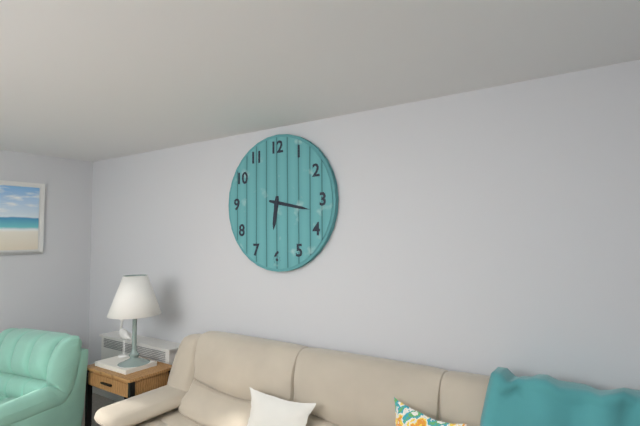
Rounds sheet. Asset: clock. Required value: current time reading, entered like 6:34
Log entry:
6:17
